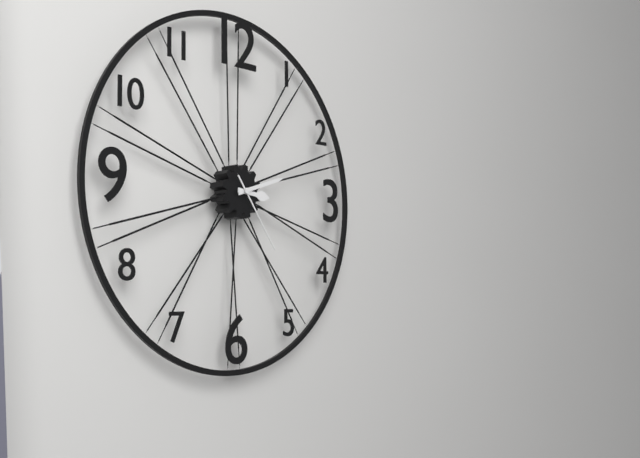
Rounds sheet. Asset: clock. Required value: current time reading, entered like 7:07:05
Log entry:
3:12:24
